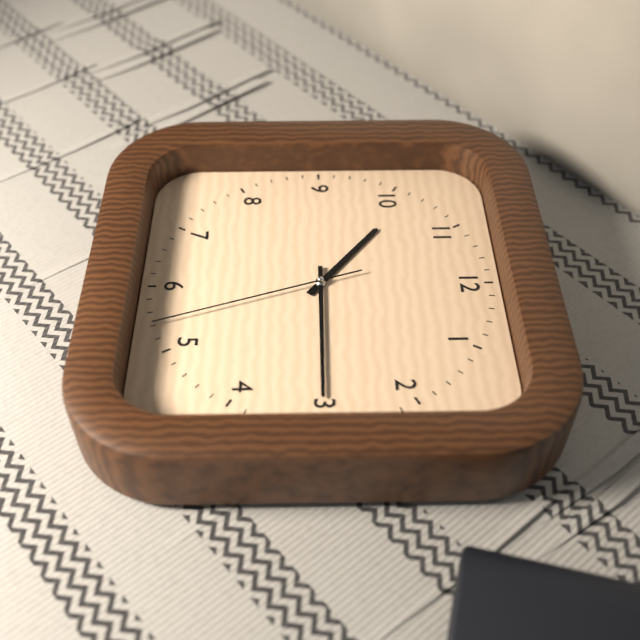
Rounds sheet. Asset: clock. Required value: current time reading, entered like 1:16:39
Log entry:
10:15:27
